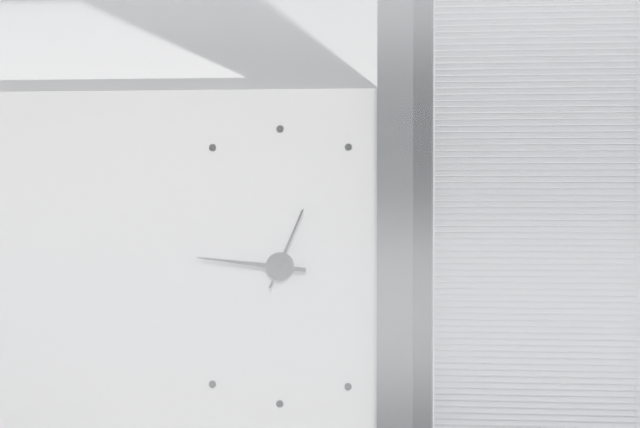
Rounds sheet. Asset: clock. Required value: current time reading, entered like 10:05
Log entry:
12:46
